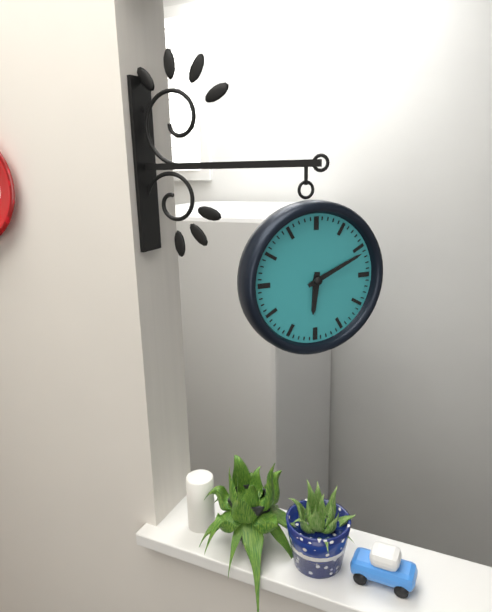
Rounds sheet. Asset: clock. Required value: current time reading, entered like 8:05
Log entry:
6:11
